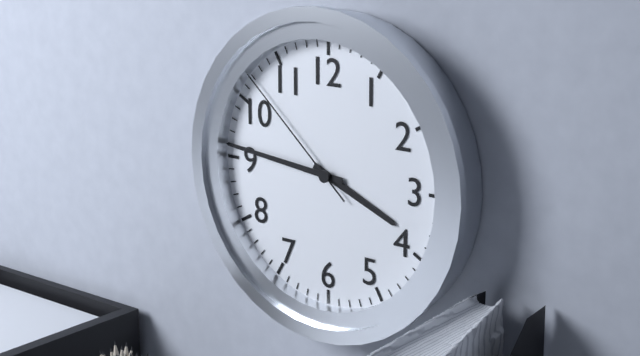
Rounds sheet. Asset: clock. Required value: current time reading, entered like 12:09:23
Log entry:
3:46:52
